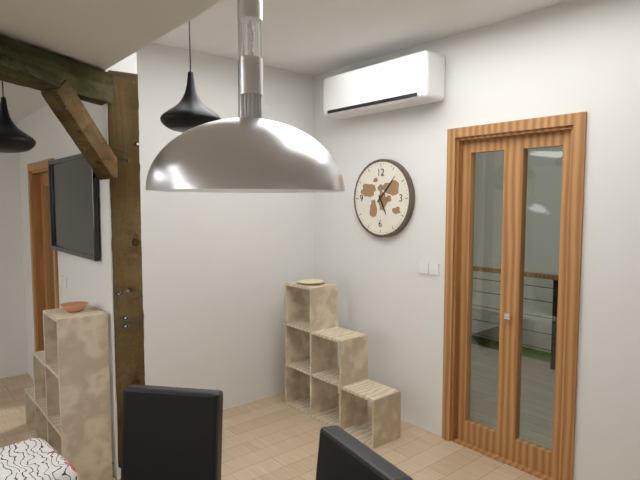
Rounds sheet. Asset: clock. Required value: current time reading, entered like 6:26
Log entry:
5:07
